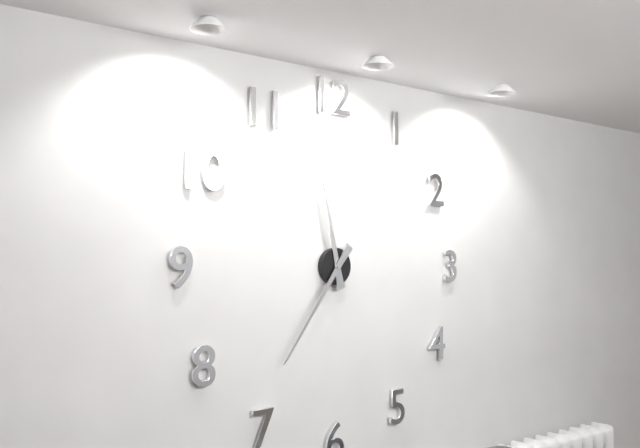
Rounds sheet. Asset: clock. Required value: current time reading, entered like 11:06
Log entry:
11:36
